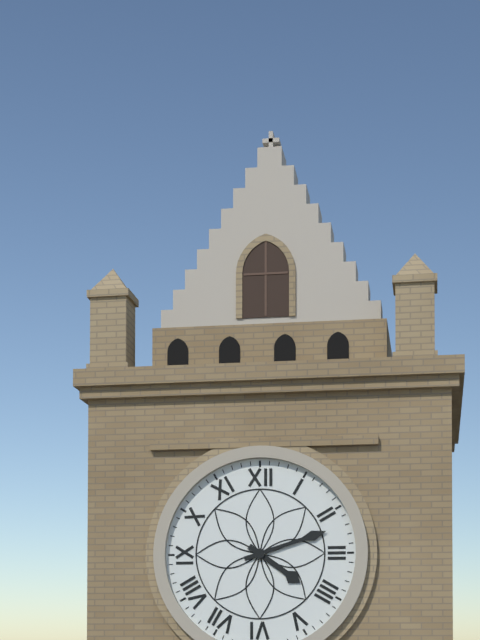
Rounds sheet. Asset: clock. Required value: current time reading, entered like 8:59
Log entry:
4:12
